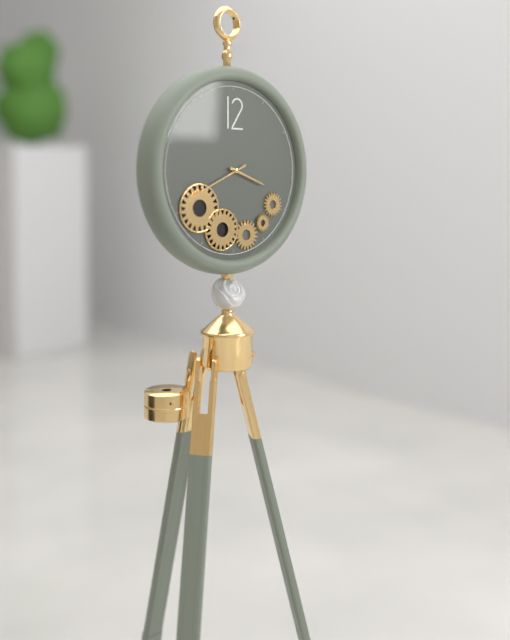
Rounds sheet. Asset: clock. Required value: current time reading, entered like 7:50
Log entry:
3:41
